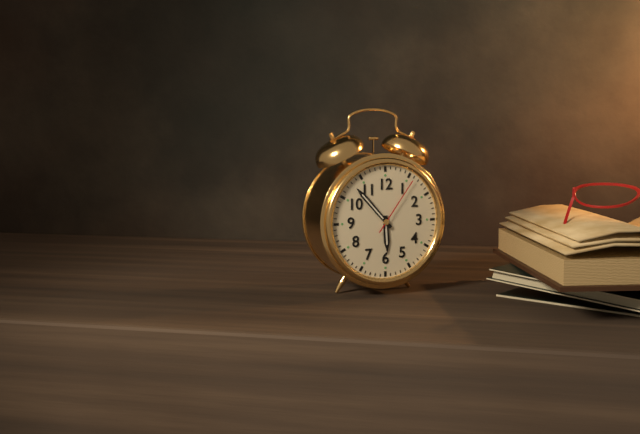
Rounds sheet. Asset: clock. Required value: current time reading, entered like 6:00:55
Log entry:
5:53:06
